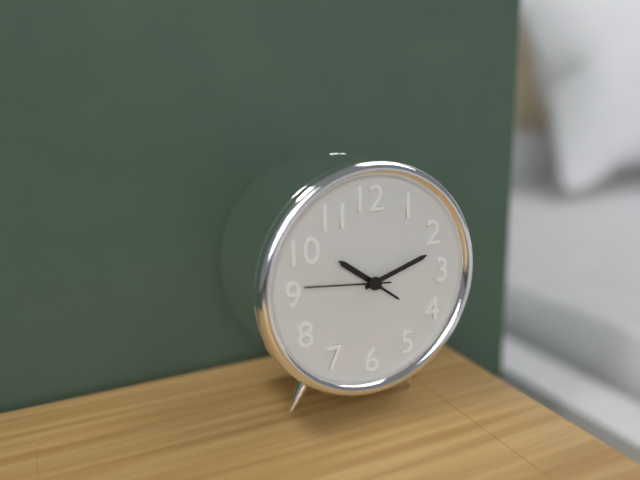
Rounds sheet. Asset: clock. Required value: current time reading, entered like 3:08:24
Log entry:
10:12:46
